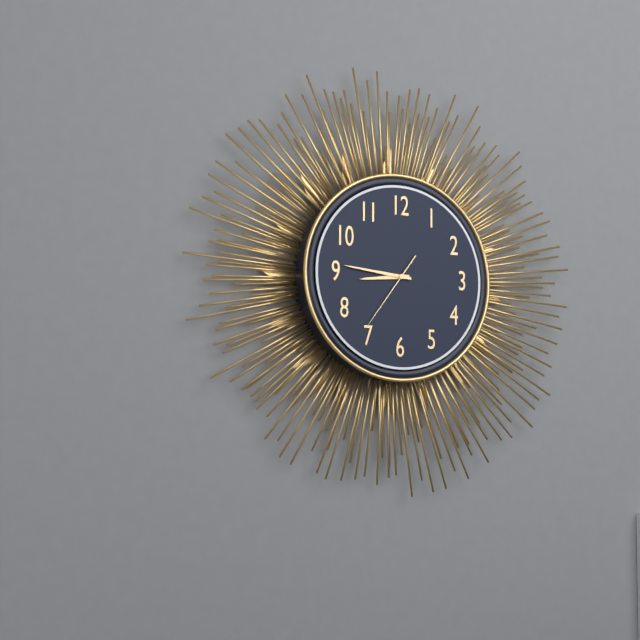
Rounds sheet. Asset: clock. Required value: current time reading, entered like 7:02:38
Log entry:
8:46:36
